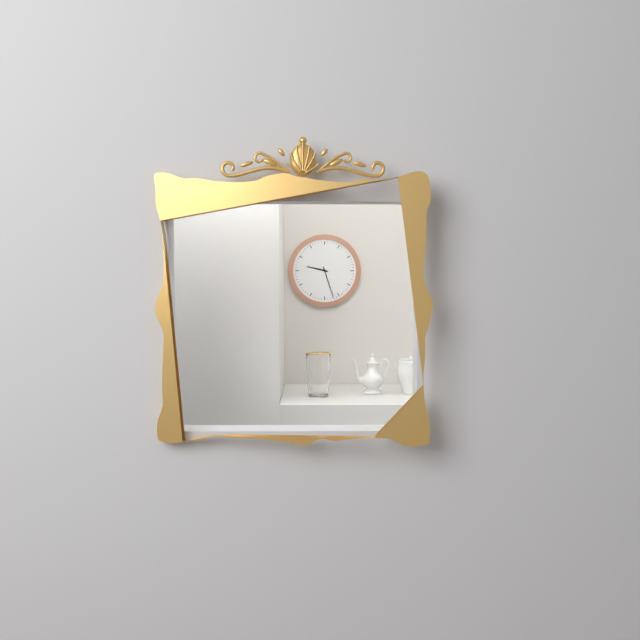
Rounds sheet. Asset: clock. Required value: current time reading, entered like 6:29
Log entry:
9:27
